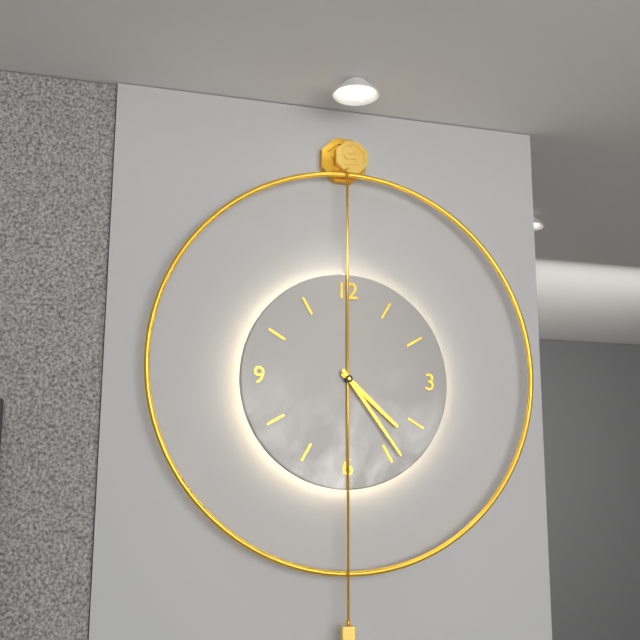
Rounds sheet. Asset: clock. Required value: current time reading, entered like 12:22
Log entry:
4:24
